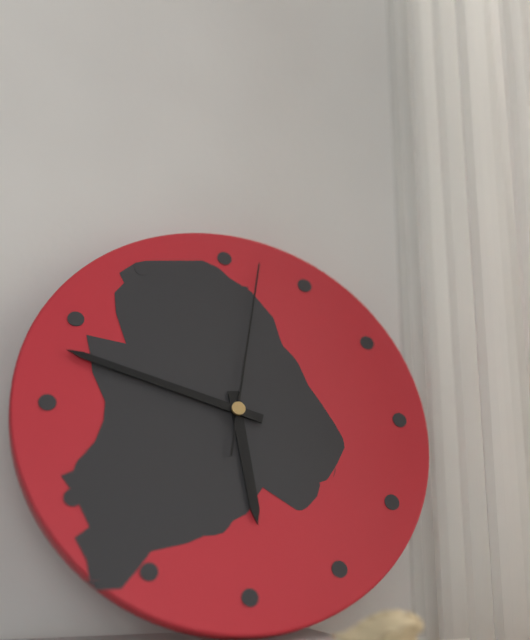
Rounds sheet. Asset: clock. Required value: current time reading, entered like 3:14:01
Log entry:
5:48:02
